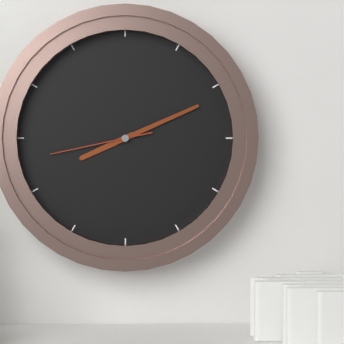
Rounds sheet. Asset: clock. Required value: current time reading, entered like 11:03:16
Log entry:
8:11:43
